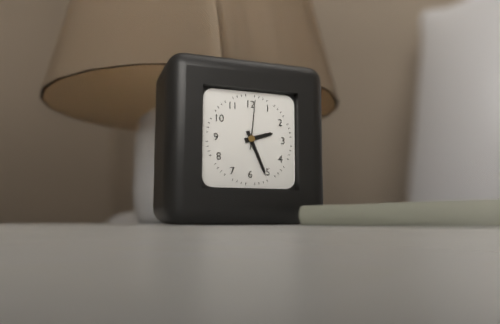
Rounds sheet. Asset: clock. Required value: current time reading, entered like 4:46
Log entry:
2:26
